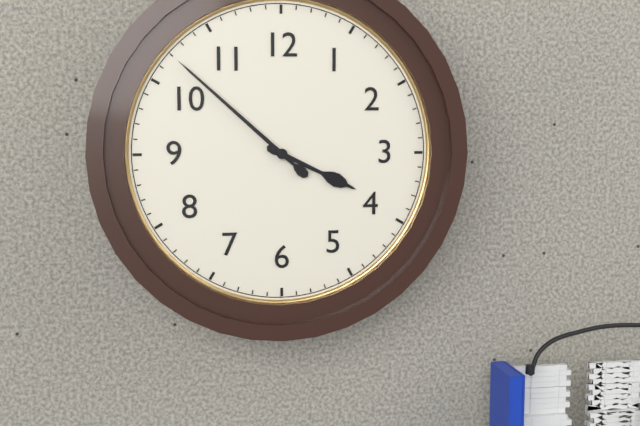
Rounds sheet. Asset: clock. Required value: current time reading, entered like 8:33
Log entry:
3:52
